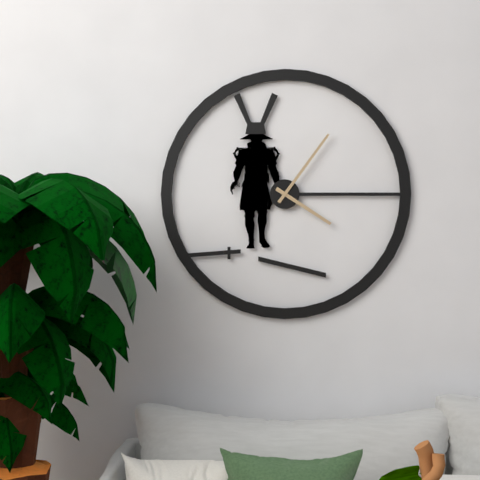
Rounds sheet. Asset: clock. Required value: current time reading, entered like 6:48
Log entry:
4:06
